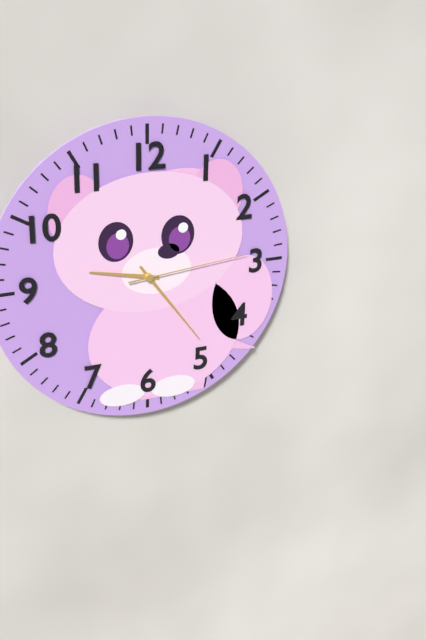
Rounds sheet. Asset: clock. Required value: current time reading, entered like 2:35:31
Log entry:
9:24:14
